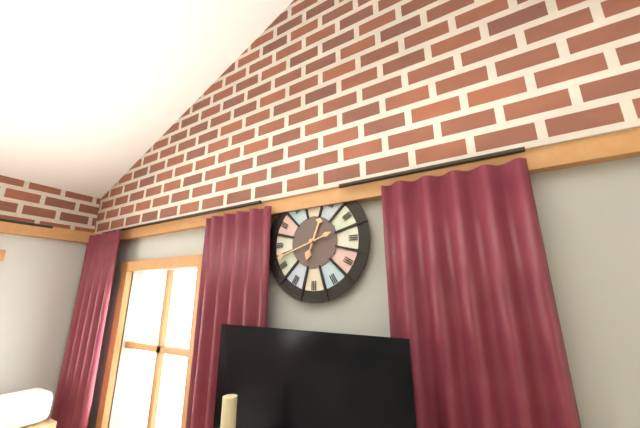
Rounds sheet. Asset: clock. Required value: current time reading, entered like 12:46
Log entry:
12:42
